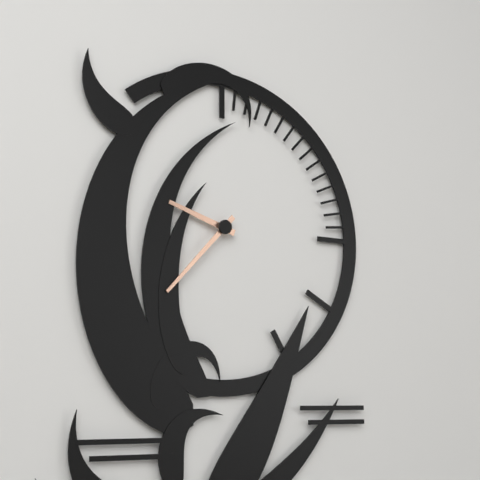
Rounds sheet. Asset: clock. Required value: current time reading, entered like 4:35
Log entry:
9:37
